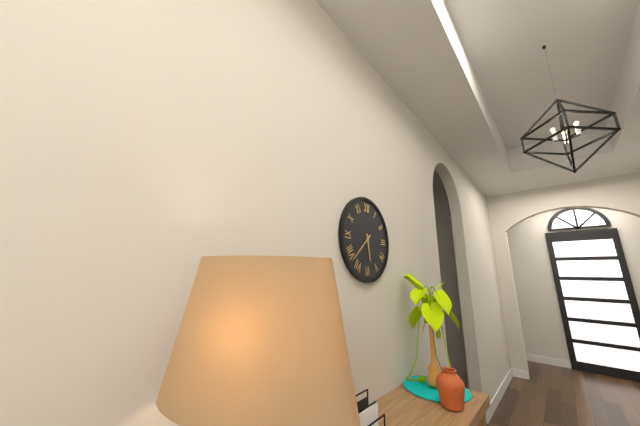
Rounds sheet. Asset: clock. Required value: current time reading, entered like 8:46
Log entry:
5:38
